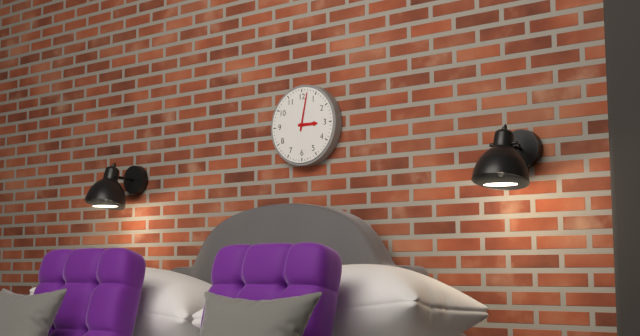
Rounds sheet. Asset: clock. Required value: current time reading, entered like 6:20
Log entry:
3:02
